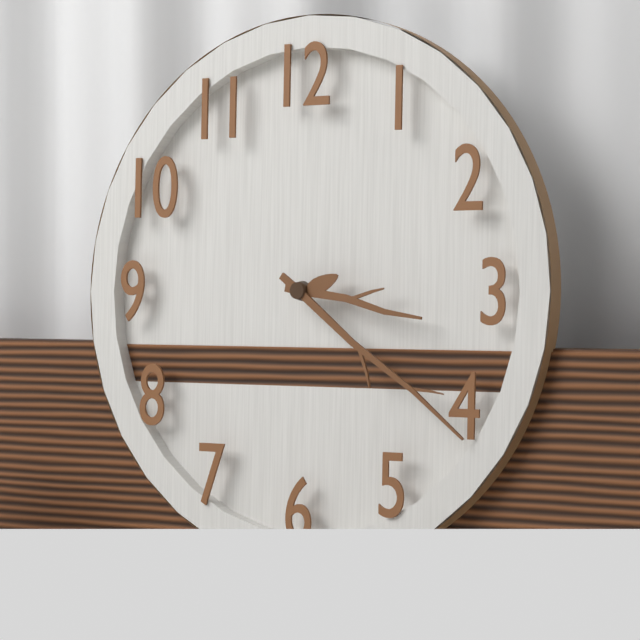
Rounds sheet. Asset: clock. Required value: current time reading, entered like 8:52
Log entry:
3:21
